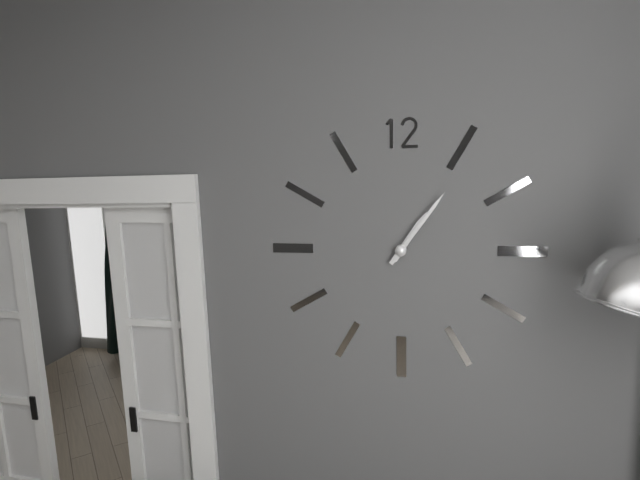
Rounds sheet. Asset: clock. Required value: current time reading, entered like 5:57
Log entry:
1:06
